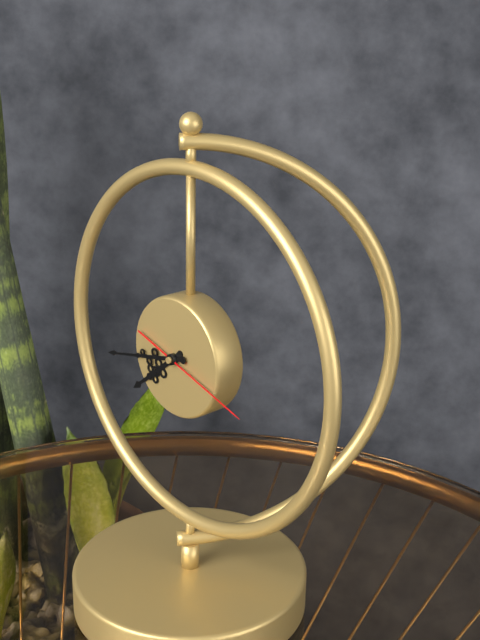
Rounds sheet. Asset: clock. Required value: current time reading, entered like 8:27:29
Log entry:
7:43:18
